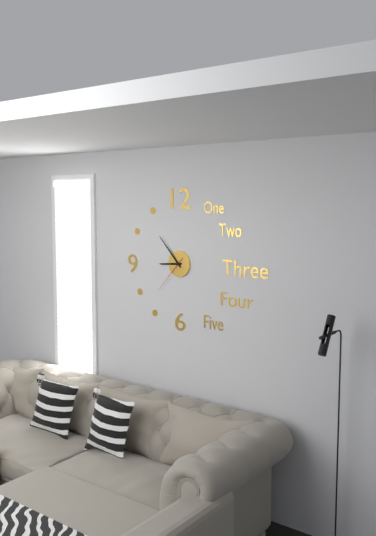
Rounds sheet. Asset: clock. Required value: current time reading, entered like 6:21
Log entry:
8:53
